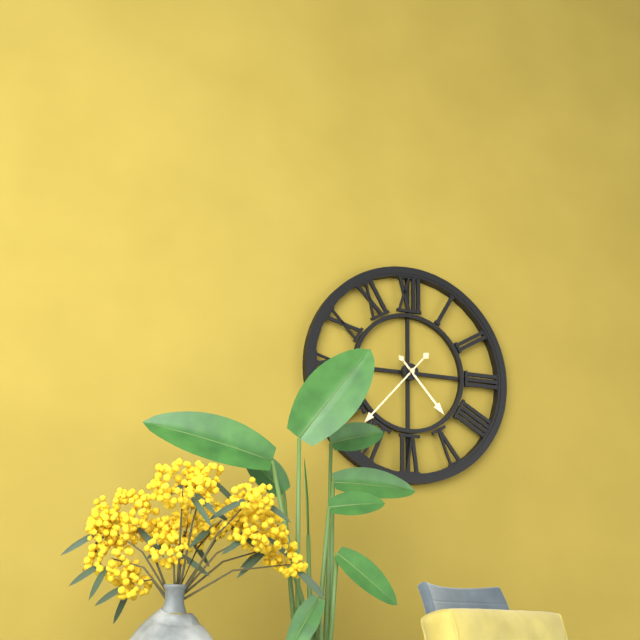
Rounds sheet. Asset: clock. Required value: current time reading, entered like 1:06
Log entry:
4:37
